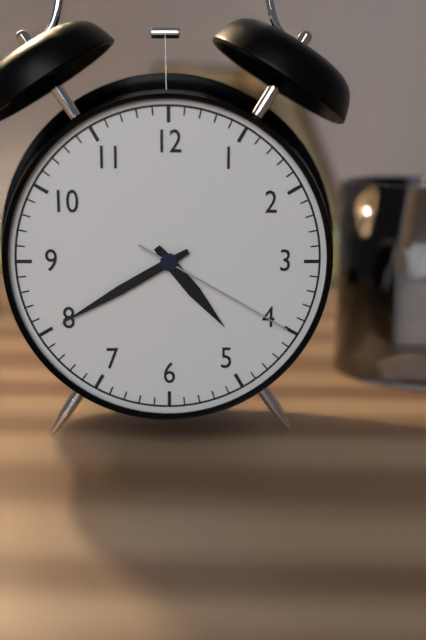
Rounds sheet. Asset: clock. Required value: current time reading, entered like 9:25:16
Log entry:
4:40:20
